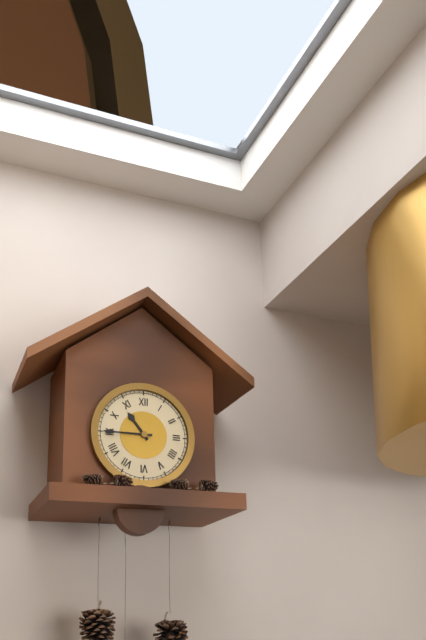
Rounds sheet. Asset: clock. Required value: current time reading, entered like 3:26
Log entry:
10:45
